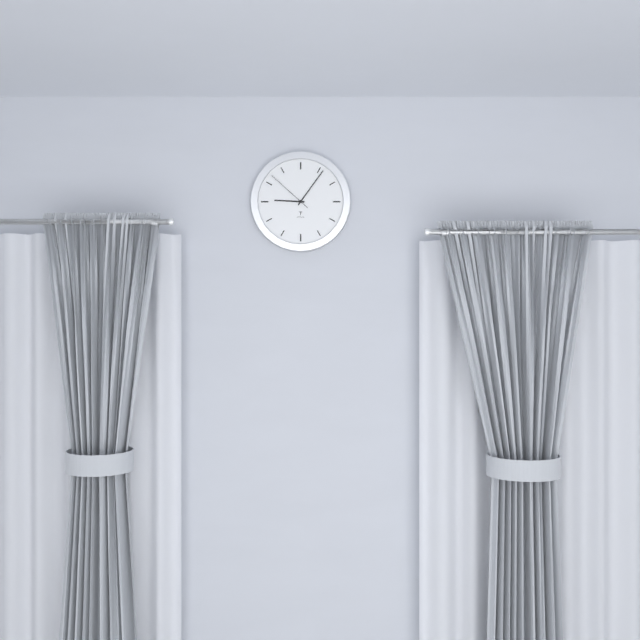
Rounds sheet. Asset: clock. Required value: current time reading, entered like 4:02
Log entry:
9:06
